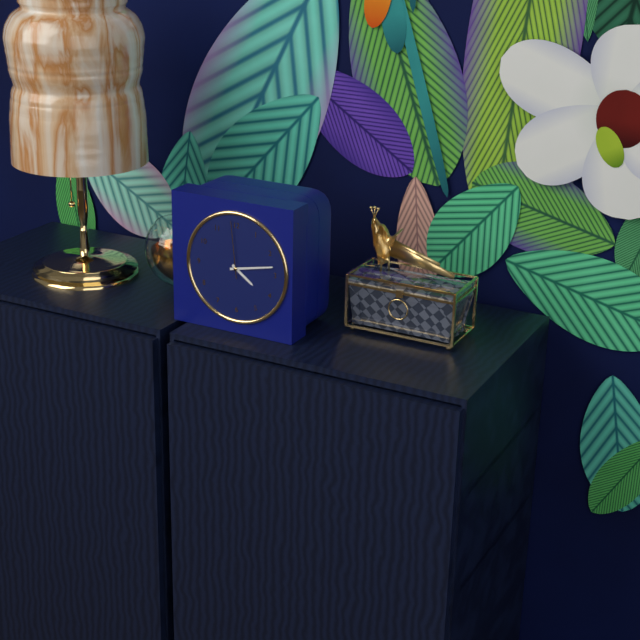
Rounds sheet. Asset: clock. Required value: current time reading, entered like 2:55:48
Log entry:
4:13:59
